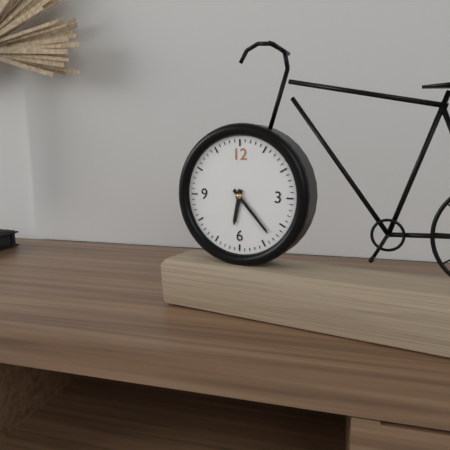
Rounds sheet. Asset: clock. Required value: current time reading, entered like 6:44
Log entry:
6:23
